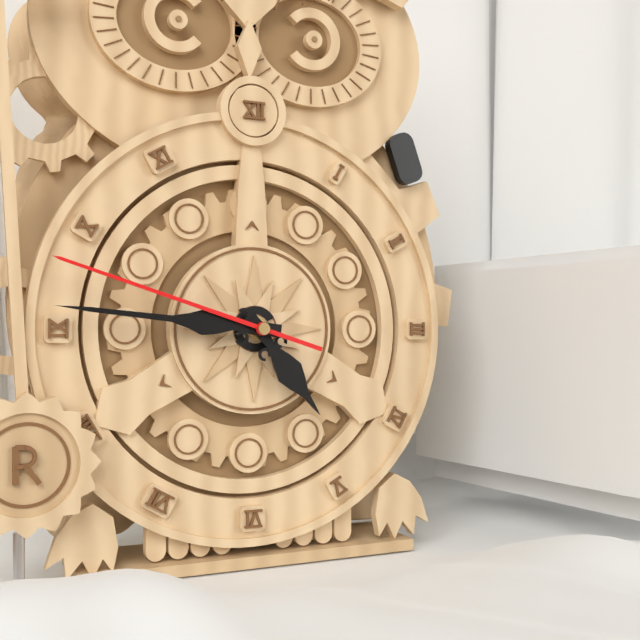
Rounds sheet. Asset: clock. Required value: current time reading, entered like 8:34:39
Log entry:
4:46:48
